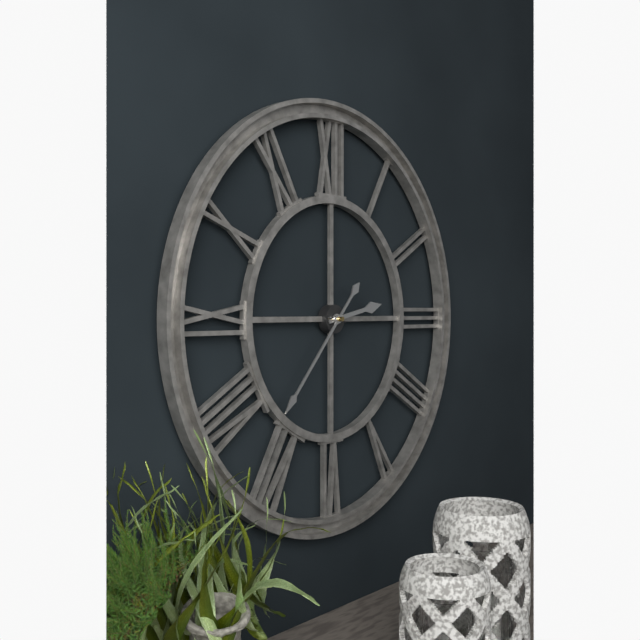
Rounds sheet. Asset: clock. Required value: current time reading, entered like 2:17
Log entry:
2:37
